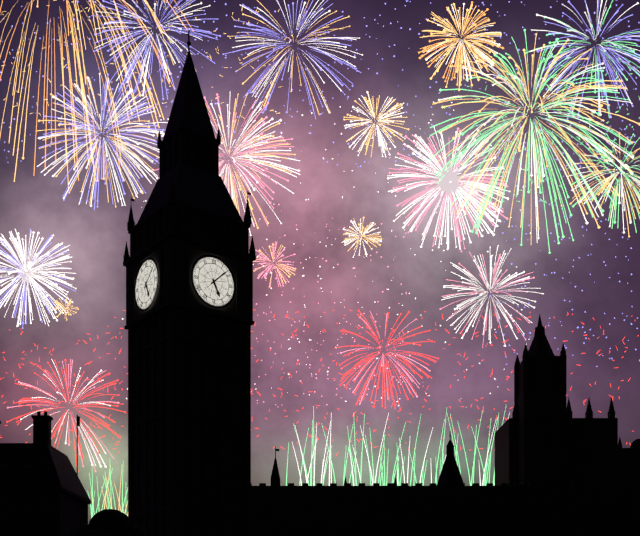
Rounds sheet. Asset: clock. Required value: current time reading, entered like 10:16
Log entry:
5:08
